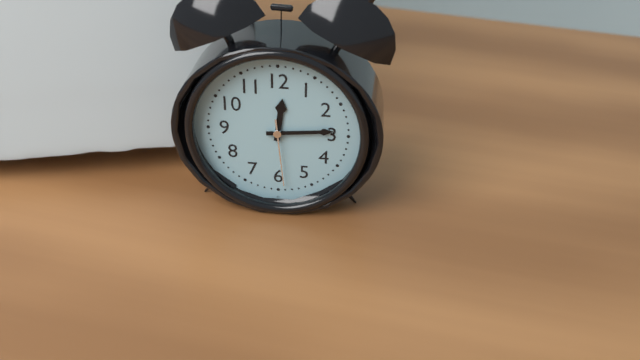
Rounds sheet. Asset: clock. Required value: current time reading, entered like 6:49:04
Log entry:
12:14:29
